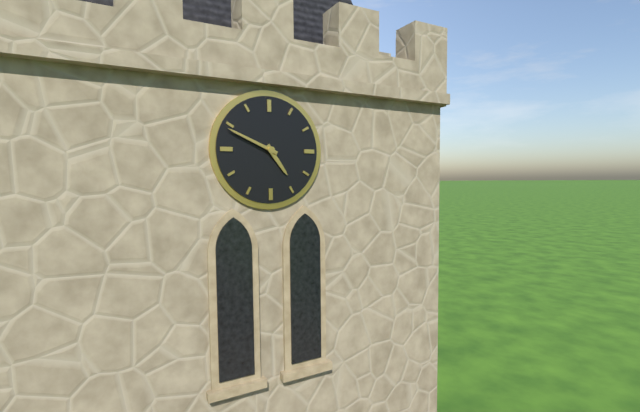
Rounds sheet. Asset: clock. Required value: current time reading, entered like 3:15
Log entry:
4:49
